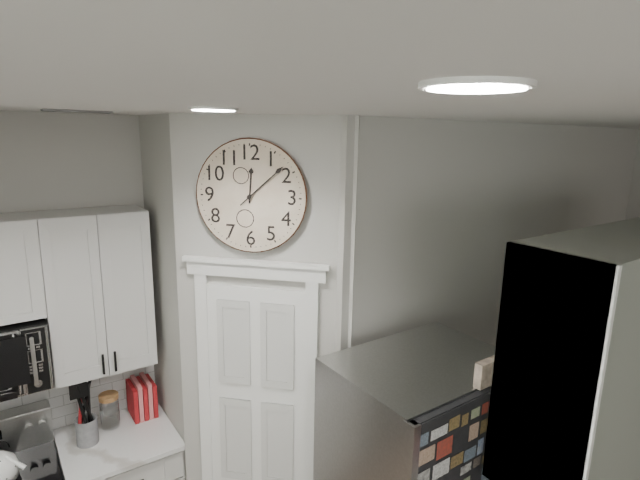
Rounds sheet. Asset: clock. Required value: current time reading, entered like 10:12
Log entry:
12:08
